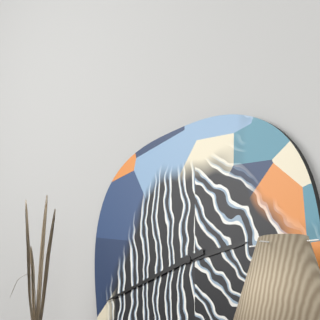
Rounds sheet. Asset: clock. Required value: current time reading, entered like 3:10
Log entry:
2:42
